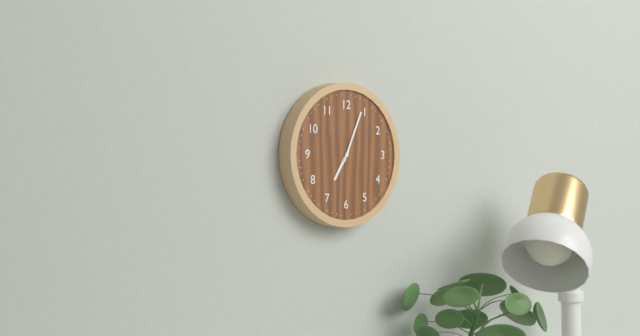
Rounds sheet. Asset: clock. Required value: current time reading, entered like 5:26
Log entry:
7:04
